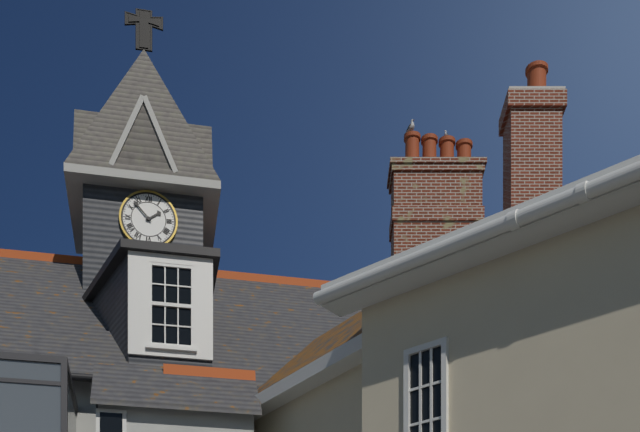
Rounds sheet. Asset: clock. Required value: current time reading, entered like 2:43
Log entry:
1:53
